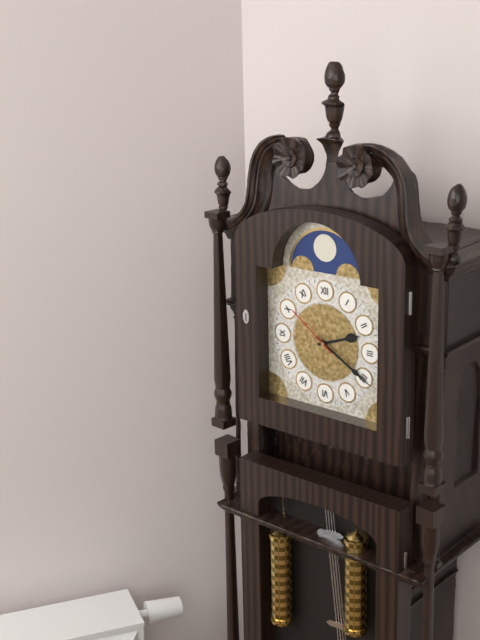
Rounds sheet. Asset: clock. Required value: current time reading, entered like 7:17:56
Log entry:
2:20:51
